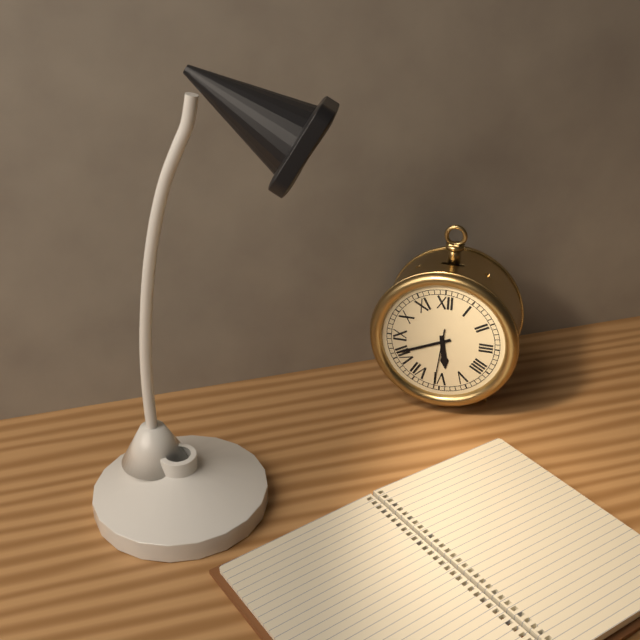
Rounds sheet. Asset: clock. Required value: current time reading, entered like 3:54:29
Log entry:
5:41:31
